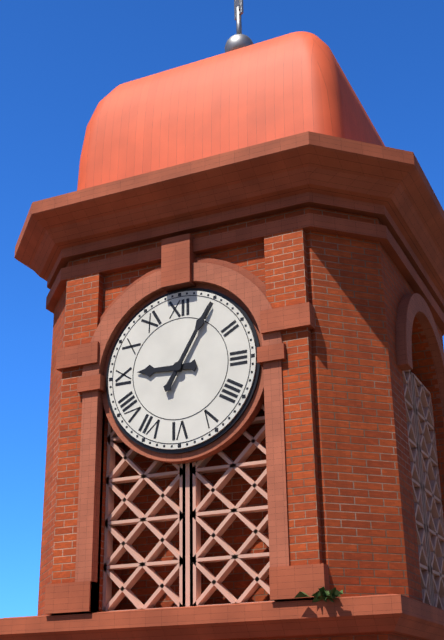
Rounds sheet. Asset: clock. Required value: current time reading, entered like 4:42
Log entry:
9:05
